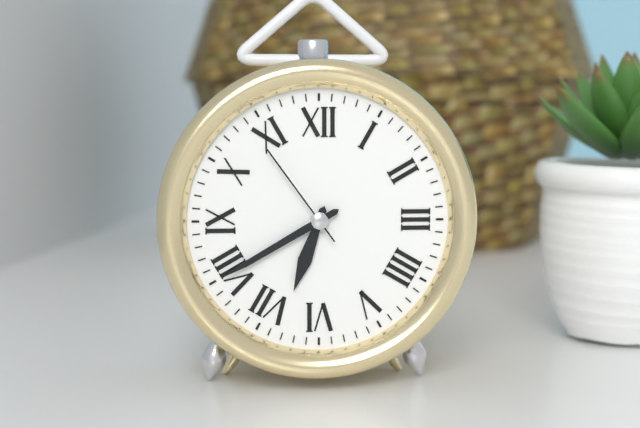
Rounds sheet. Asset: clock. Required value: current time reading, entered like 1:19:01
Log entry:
6:40:54
